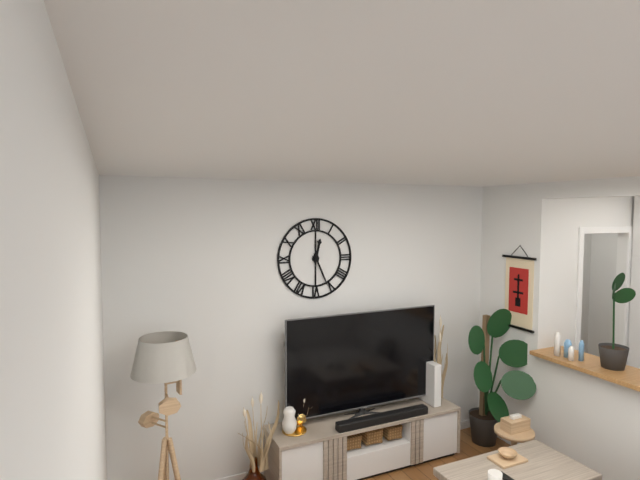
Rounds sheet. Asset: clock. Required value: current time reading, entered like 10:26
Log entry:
12:26
